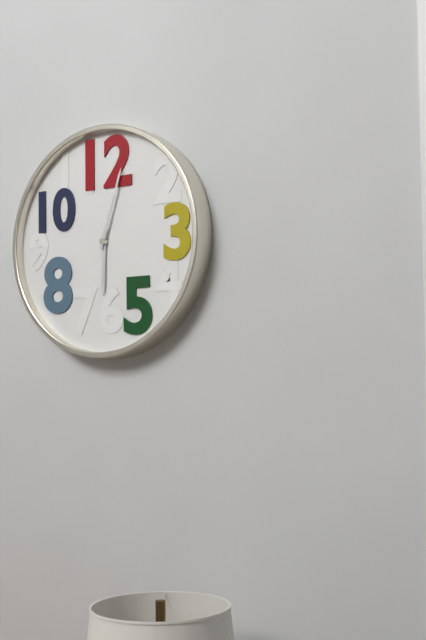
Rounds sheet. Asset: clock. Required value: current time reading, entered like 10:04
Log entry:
6:03
